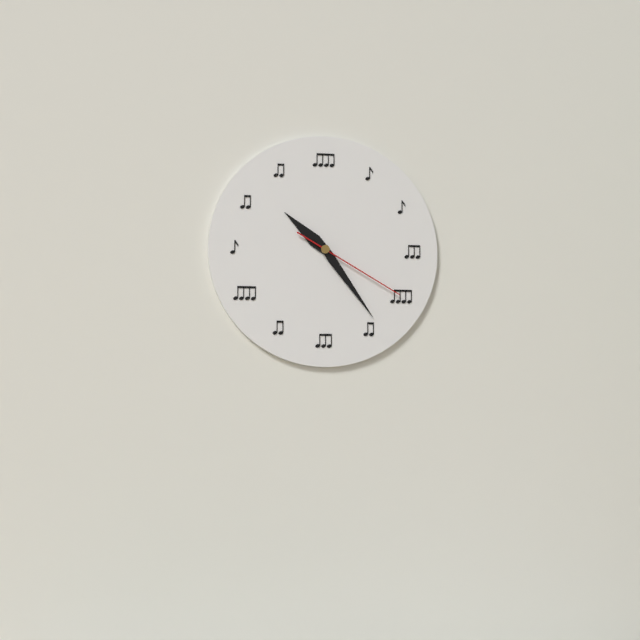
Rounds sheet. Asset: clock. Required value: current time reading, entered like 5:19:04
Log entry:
10:24:20
